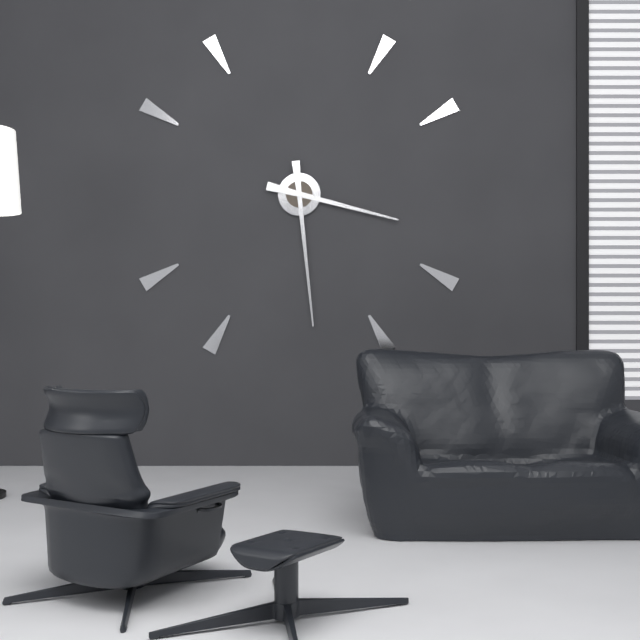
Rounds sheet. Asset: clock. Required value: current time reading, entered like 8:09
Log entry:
3:29
